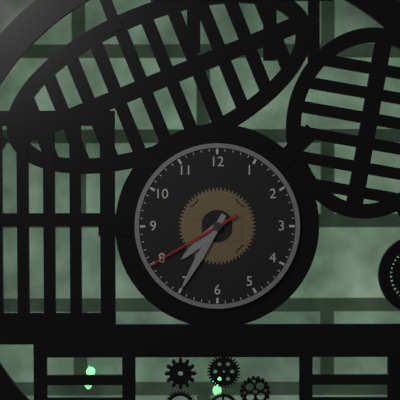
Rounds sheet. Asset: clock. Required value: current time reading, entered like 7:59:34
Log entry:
7:35:40
